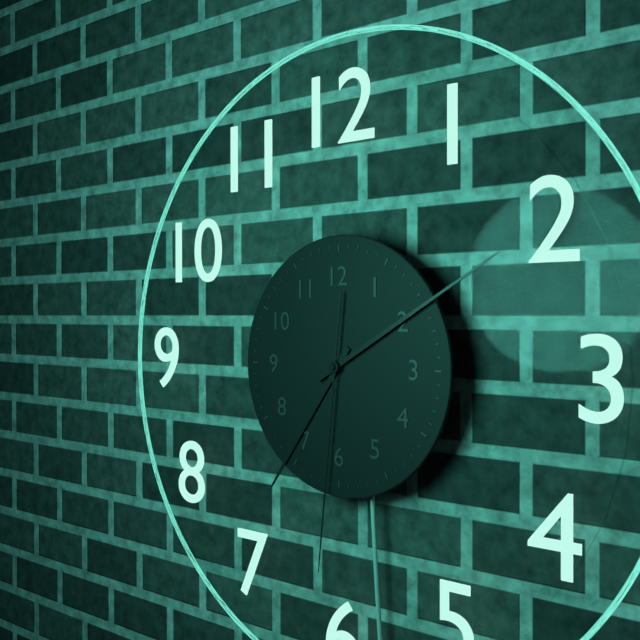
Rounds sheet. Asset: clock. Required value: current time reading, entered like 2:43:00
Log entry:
7:10:31
